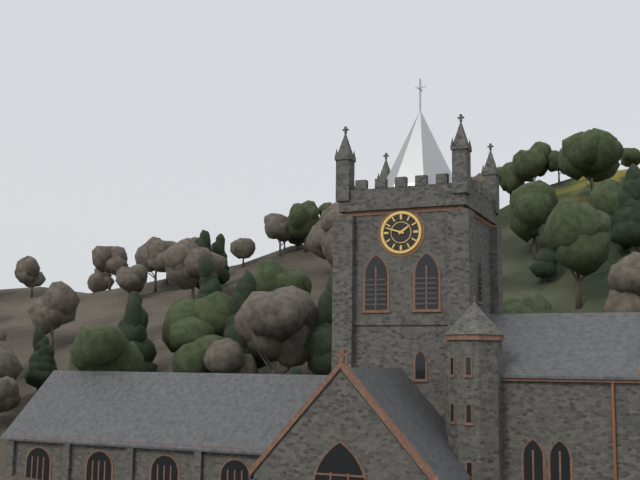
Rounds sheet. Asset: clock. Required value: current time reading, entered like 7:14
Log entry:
1:48
